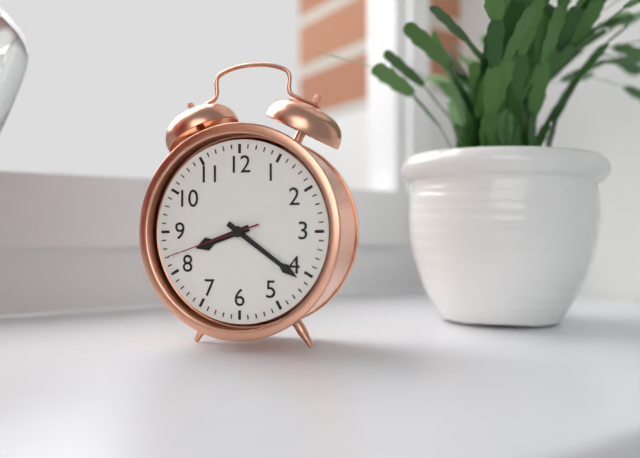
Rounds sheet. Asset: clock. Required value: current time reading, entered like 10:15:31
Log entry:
8:21:42
